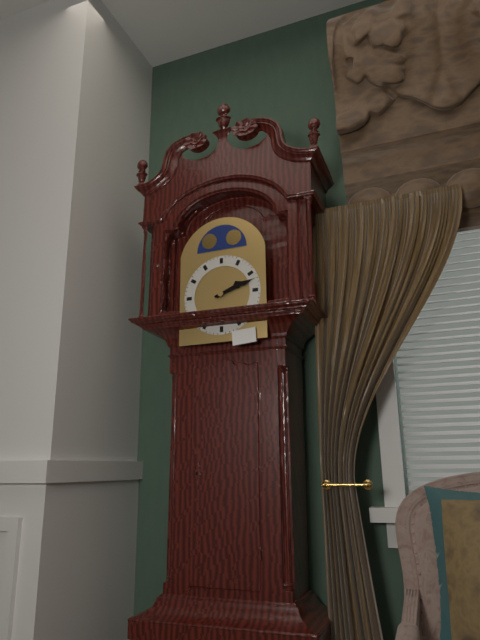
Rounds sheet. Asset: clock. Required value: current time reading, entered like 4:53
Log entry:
2:12
